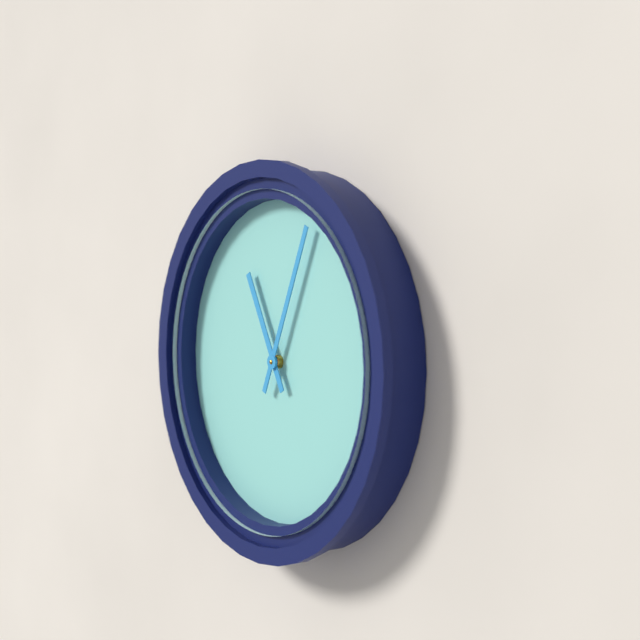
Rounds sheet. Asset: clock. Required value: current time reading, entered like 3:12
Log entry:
11:04
